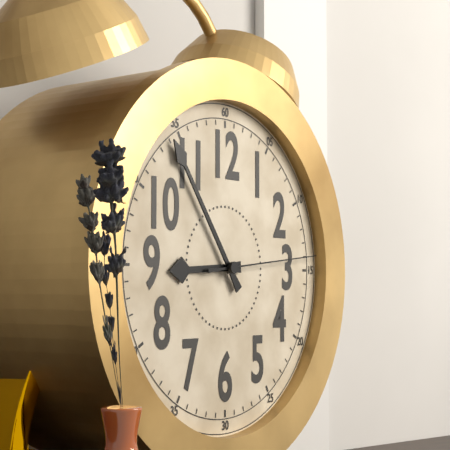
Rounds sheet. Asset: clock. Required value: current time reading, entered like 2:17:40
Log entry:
8:54:14
